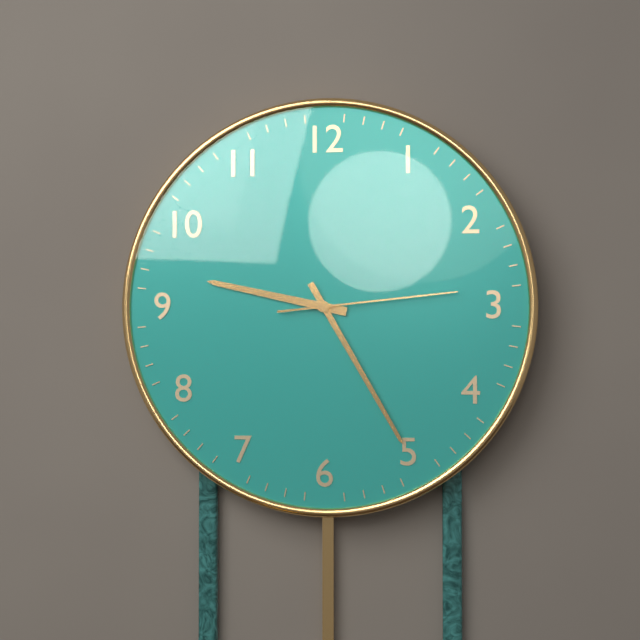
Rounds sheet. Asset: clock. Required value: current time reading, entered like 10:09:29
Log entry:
9:25:14
